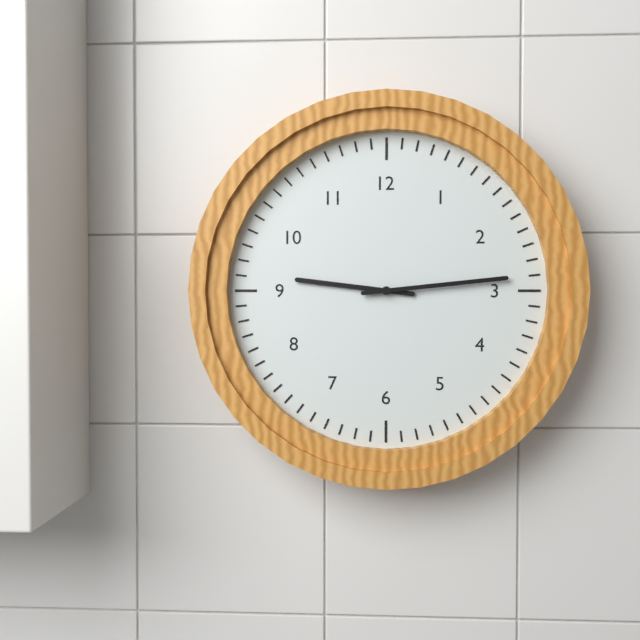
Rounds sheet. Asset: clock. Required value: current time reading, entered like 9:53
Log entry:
9:14
